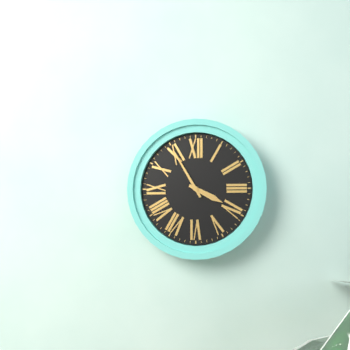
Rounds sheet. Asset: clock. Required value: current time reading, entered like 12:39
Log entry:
3:55
